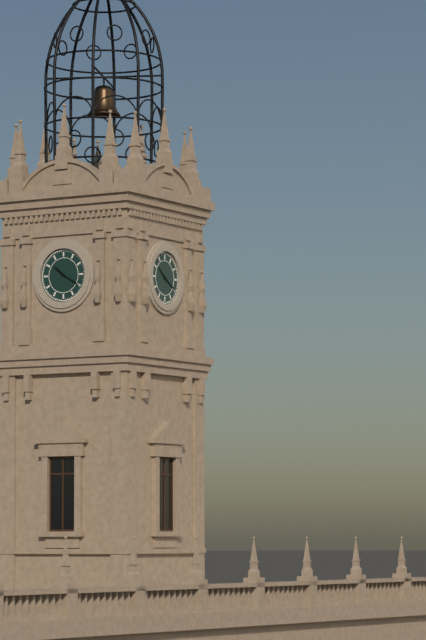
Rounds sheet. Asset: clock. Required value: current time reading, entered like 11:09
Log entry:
10:20
